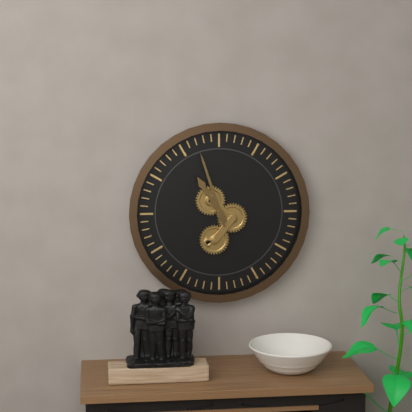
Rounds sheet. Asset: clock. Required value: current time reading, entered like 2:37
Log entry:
10:57
